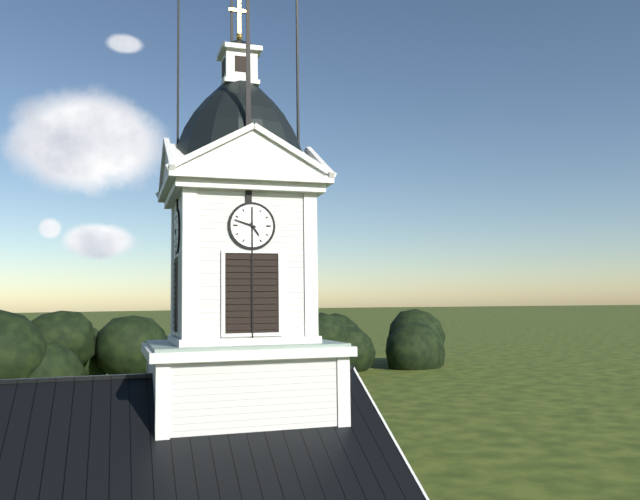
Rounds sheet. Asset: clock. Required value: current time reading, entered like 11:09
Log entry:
4:48
